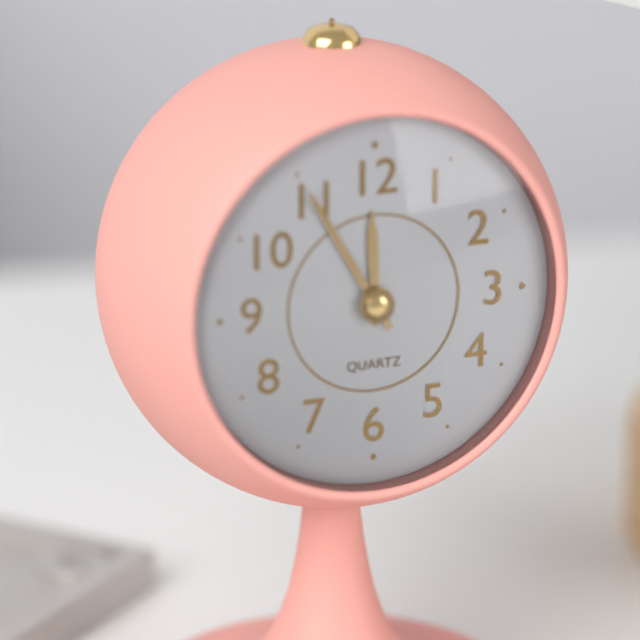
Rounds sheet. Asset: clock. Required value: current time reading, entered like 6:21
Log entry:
11:55
